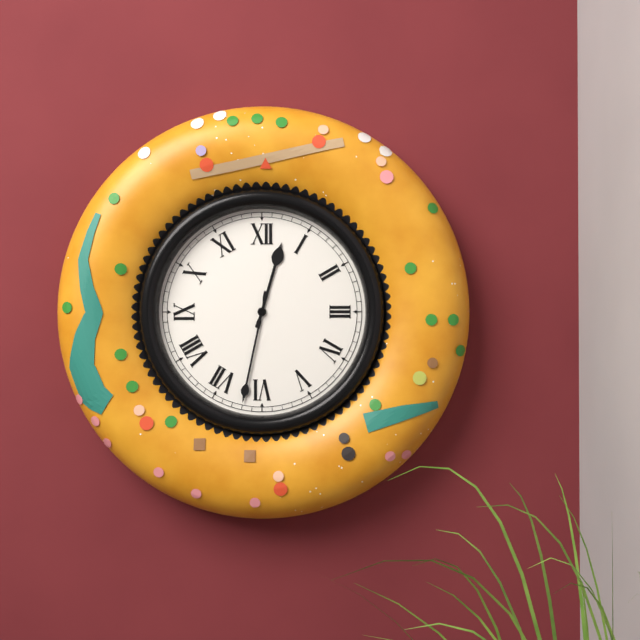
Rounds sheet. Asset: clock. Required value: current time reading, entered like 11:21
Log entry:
12:32
